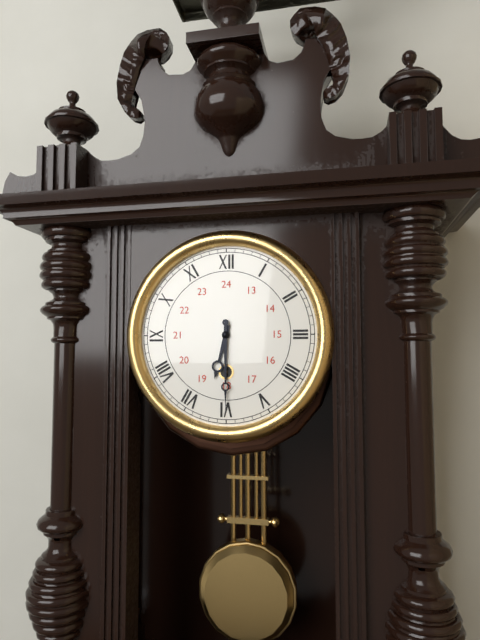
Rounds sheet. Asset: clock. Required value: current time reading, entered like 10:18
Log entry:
6:30
